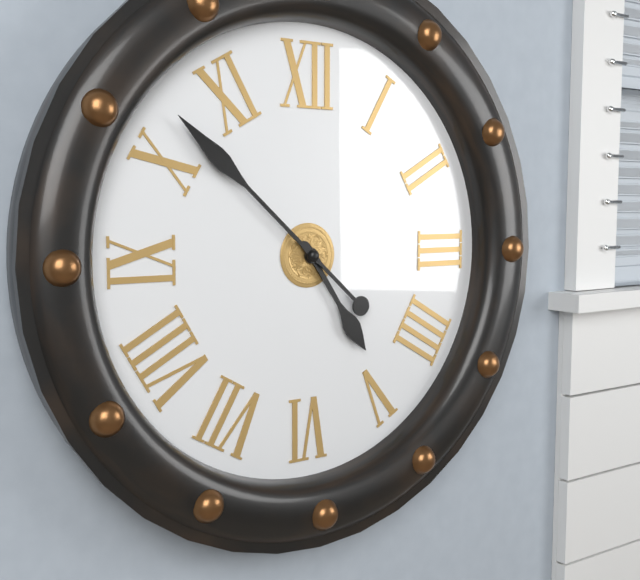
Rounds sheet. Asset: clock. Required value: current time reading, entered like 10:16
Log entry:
4:52
